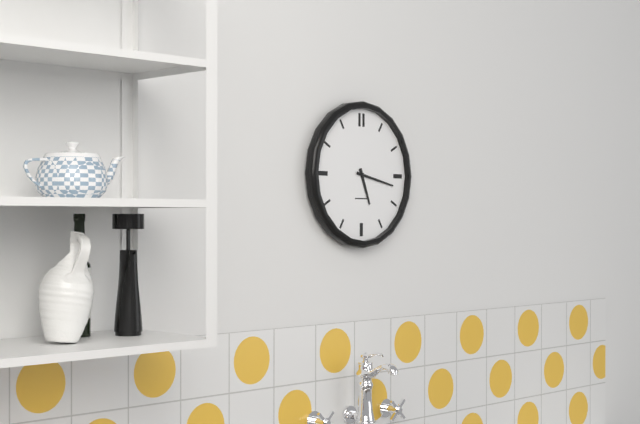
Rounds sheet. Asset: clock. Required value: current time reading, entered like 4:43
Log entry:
5:17
